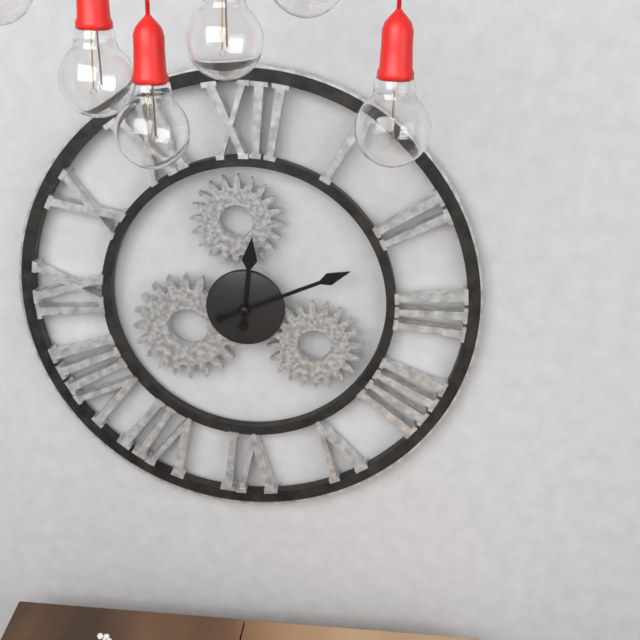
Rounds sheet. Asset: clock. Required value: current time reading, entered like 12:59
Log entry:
12:11
